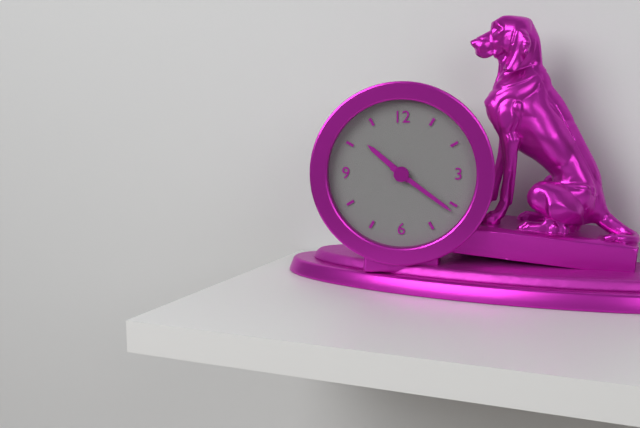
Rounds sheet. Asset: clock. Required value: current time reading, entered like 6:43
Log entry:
10:21
